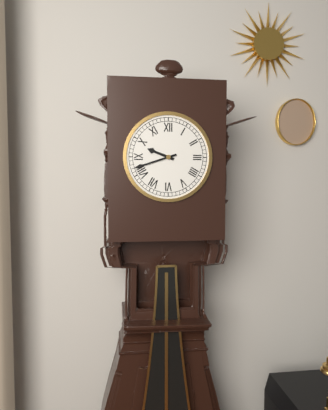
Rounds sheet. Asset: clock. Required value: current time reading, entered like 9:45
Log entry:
9:42
